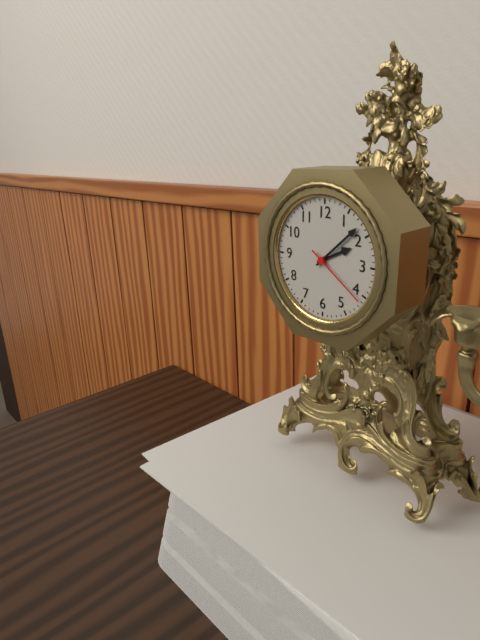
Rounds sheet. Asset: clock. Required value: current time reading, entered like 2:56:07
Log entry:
2:08:21
